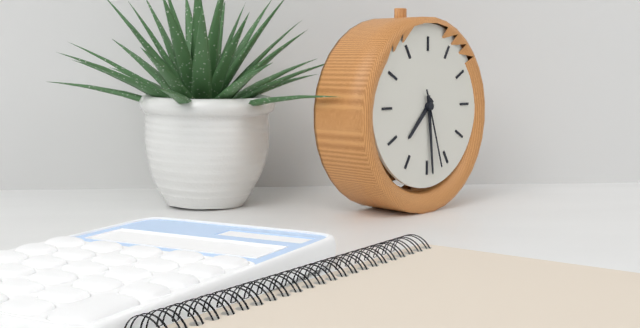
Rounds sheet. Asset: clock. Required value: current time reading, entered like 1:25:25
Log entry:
7:29:27
